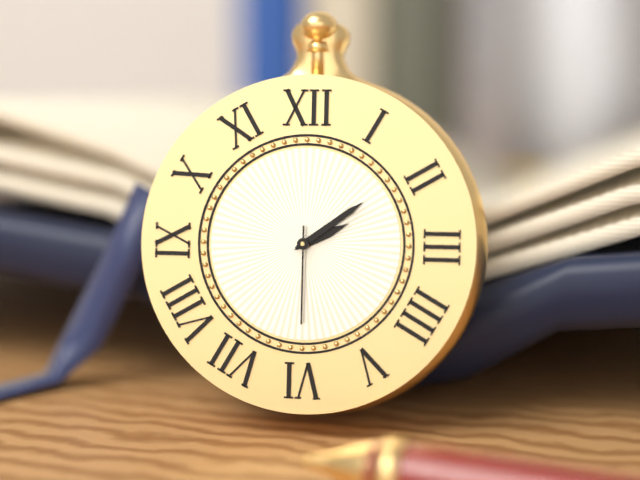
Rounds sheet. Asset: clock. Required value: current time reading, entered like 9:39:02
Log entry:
2:09:30
